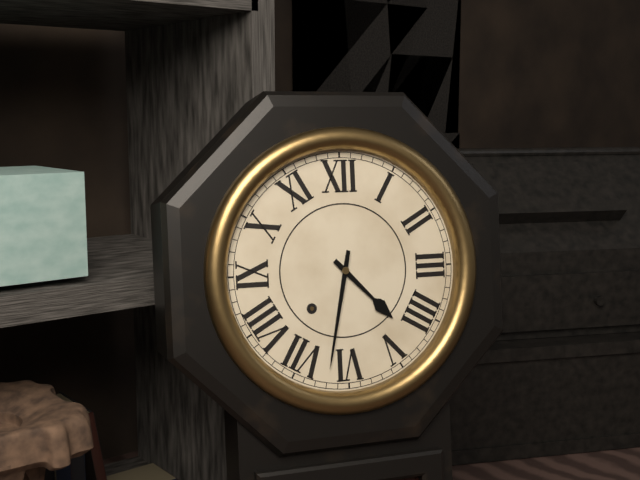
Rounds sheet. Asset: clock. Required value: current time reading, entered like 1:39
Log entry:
4:32
